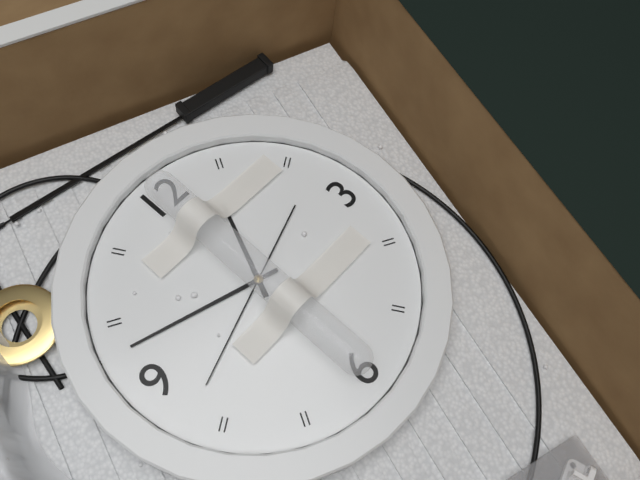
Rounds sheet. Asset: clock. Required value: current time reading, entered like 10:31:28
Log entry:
12:48:42
